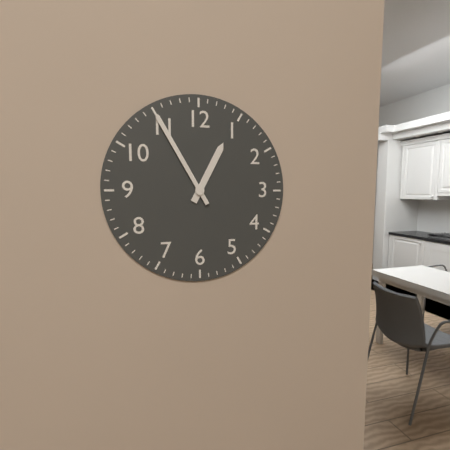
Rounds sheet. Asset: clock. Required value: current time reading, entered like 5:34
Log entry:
12:55
